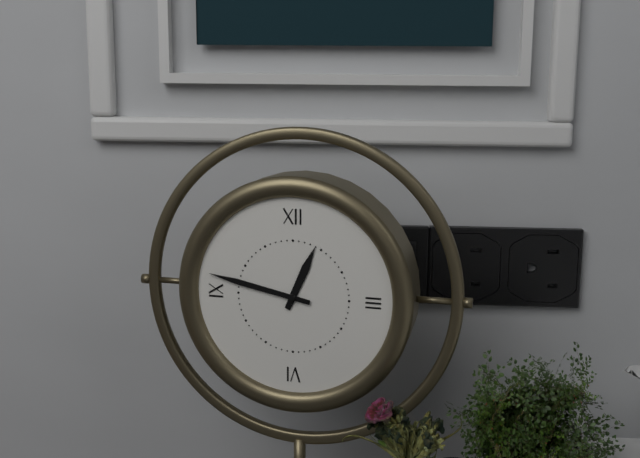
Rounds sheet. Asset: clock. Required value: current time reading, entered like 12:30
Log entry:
12:47
